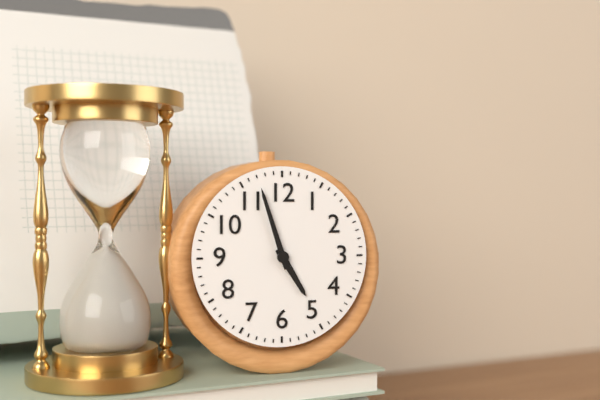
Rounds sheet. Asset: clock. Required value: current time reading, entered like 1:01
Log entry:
4:57
